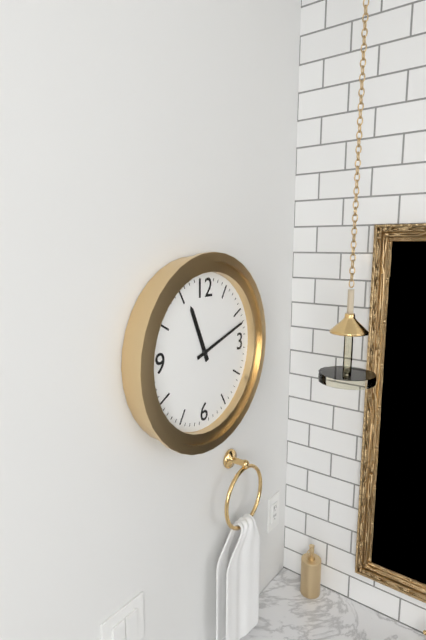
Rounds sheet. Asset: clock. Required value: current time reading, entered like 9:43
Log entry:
11:12
